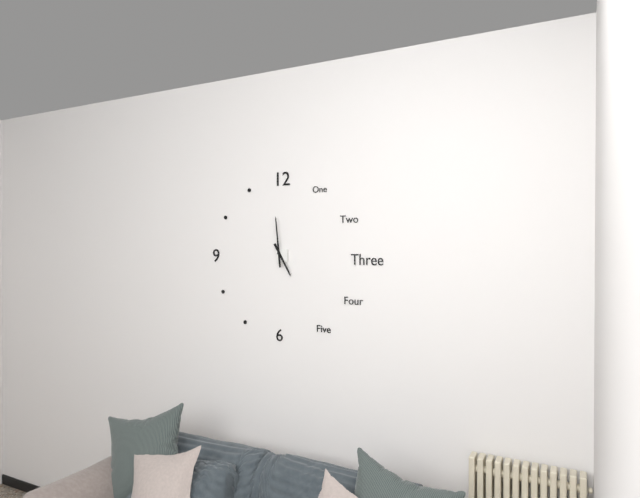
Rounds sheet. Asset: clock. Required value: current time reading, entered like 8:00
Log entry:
4:59
